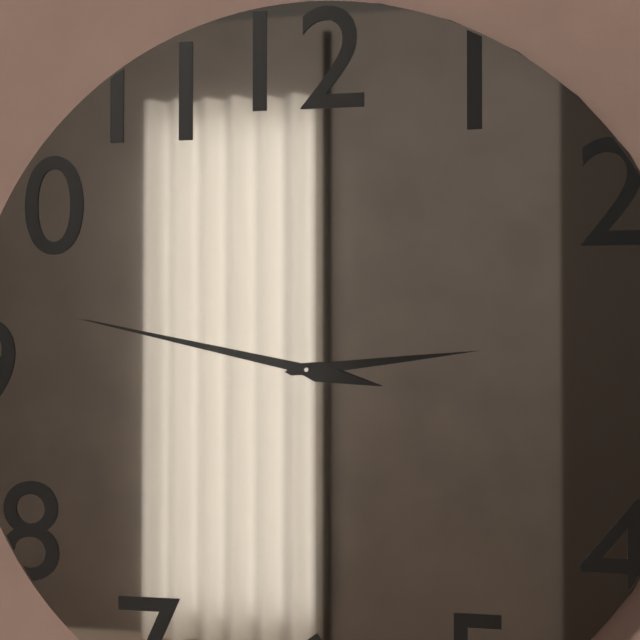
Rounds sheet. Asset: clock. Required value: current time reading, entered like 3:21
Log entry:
2:47
